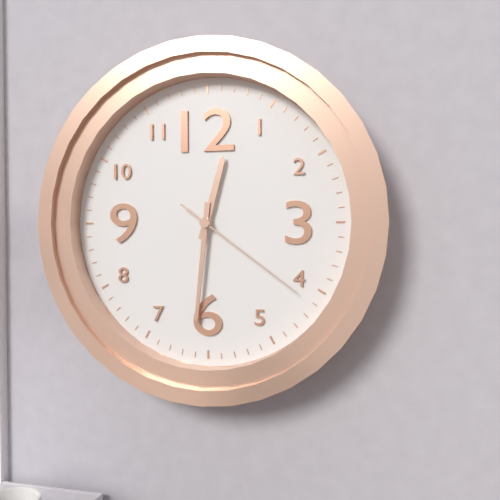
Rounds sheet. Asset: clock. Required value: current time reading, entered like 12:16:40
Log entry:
12:31:21
